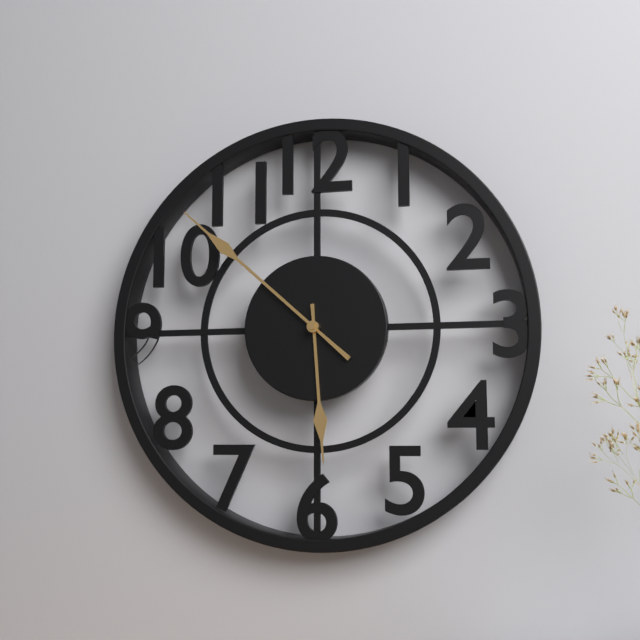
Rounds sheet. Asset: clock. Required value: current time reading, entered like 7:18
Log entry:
5:52
